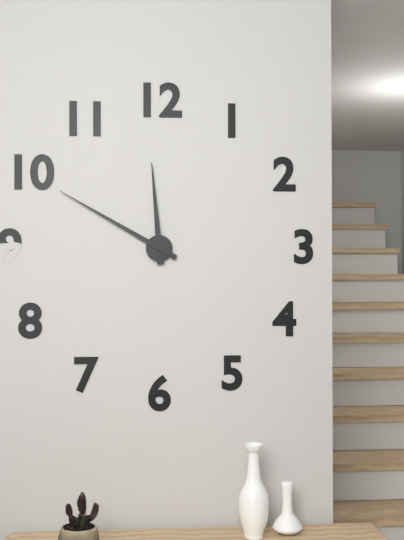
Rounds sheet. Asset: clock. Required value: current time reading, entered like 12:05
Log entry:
11:50
